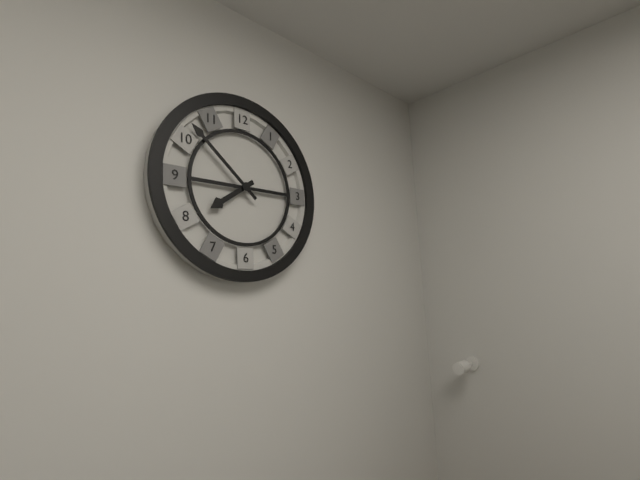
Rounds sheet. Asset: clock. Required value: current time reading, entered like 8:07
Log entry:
7:52
